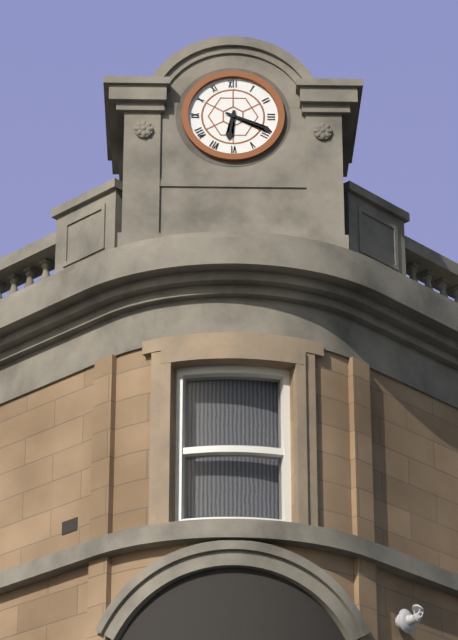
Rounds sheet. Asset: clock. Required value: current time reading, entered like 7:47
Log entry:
6:19
